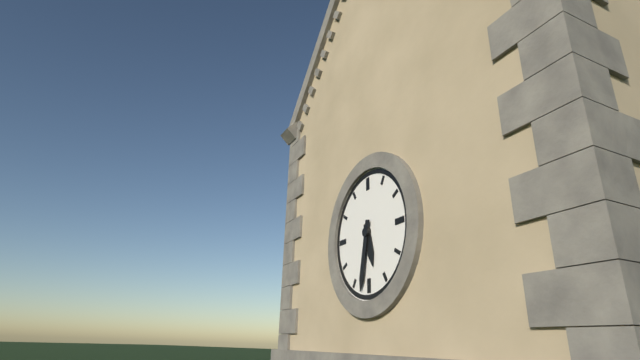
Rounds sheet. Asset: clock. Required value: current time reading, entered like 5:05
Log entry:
5:32
